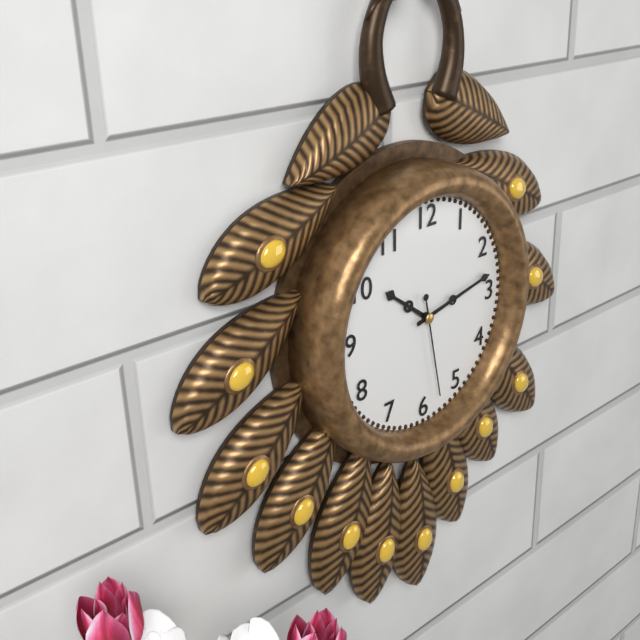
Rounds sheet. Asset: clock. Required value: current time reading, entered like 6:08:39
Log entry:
10:13:28
